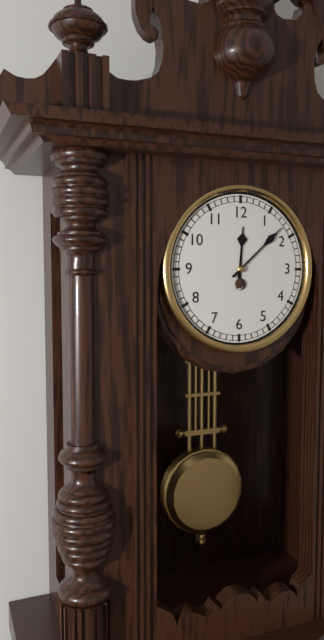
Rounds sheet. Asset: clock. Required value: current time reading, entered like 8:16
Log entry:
12:08
